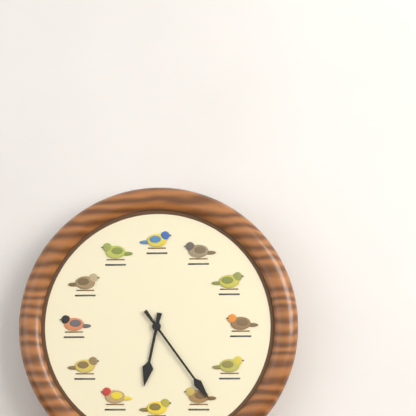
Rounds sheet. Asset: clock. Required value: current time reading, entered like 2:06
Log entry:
6:24
